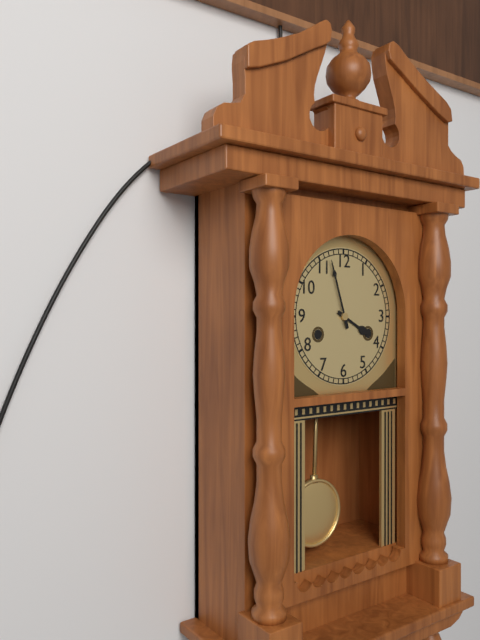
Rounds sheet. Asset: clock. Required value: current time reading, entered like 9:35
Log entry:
3:57
